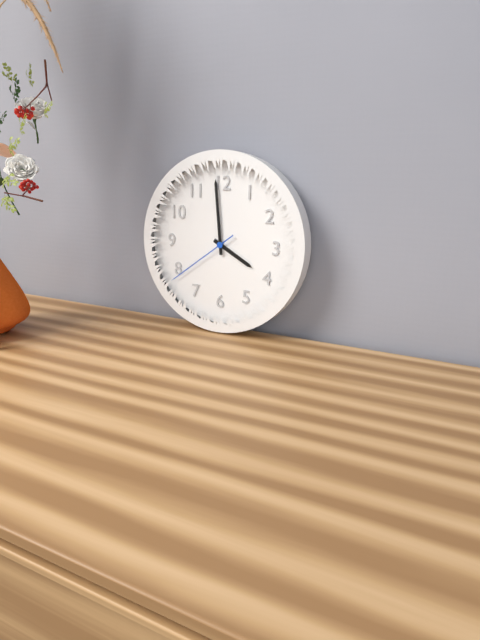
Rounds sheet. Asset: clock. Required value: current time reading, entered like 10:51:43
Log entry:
3:59:39
